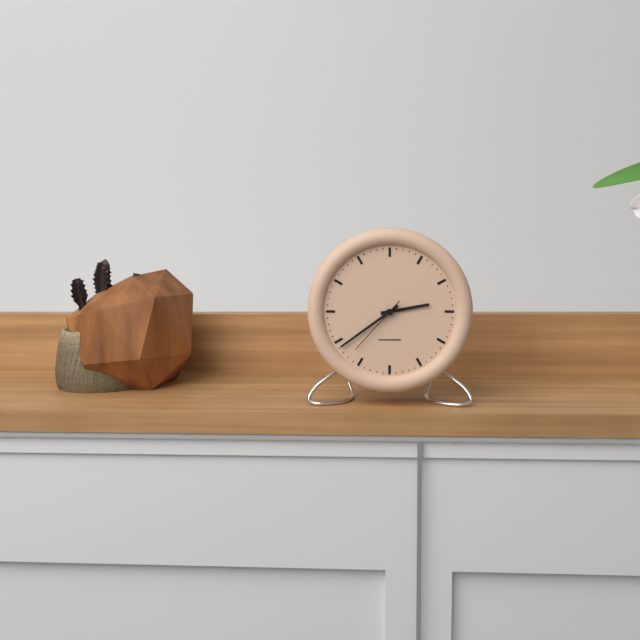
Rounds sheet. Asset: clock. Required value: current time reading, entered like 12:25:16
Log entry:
2:39:37
